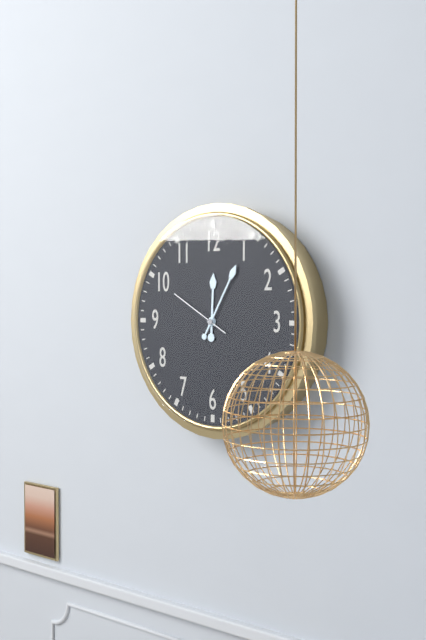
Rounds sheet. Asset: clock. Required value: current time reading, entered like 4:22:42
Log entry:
12:05:50
